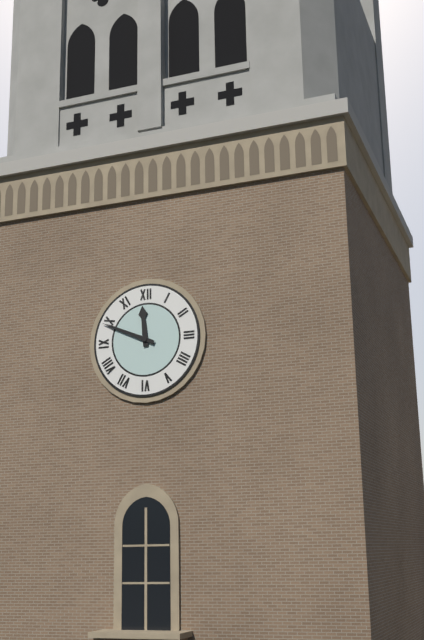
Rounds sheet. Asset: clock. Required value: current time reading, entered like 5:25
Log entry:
11:49
